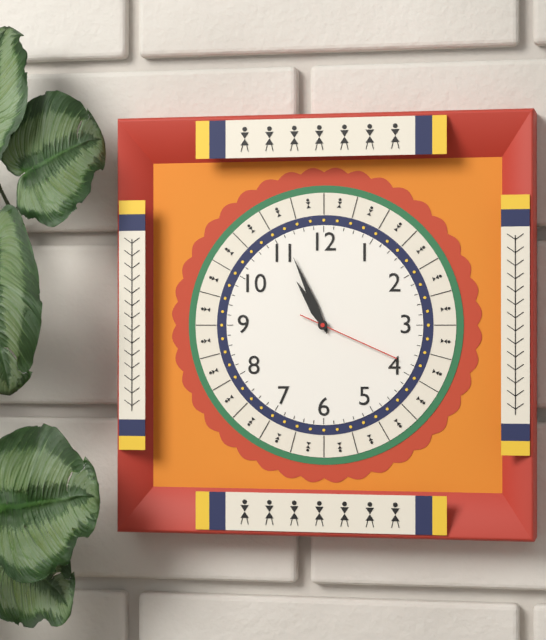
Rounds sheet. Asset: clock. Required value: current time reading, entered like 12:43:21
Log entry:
10:56:19
